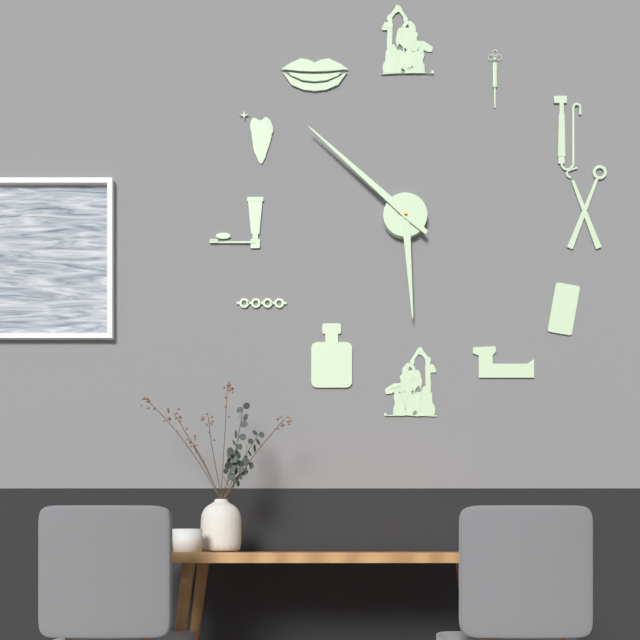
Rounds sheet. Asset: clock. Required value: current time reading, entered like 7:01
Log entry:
5:52
